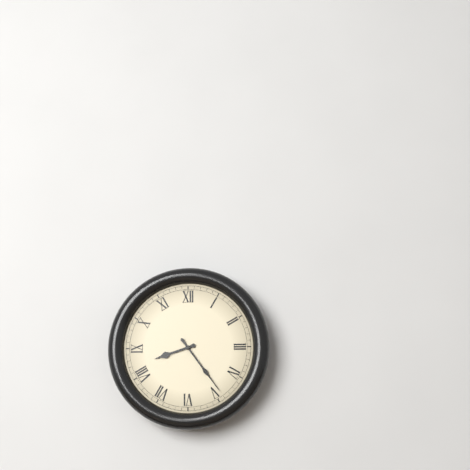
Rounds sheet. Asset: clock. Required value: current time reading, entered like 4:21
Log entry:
8:24
